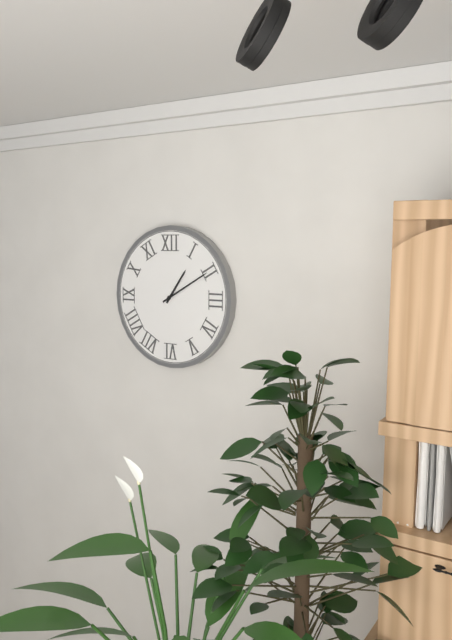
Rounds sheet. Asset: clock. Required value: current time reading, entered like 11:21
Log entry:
1:10
